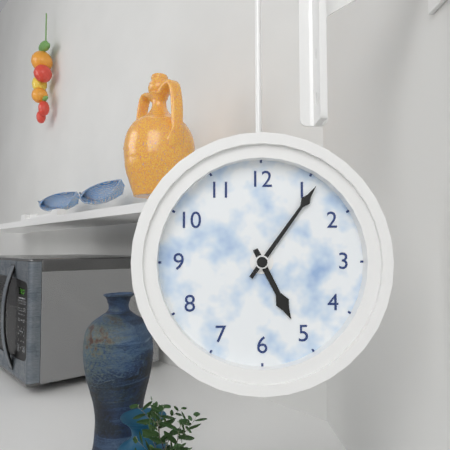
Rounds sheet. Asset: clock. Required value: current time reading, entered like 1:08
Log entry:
5:06
